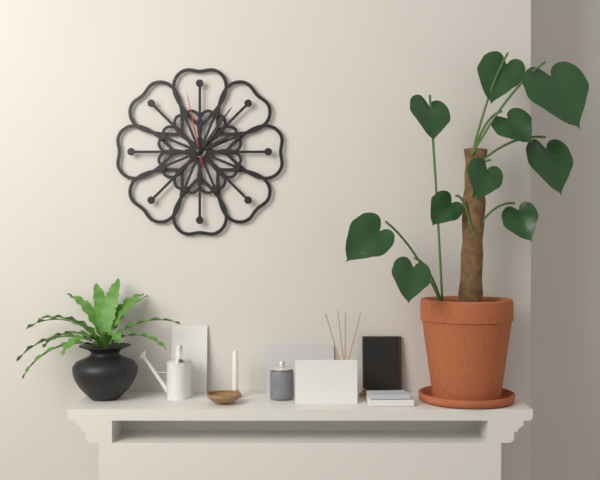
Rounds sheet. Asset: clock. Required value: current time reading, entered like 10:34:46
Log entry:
2:06:58
